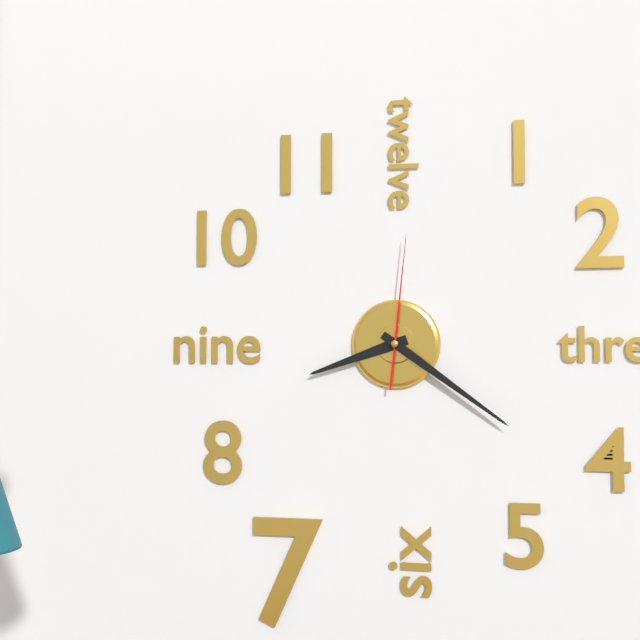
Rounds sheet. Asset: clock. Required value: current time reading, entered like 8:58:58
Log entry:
8:21:01
